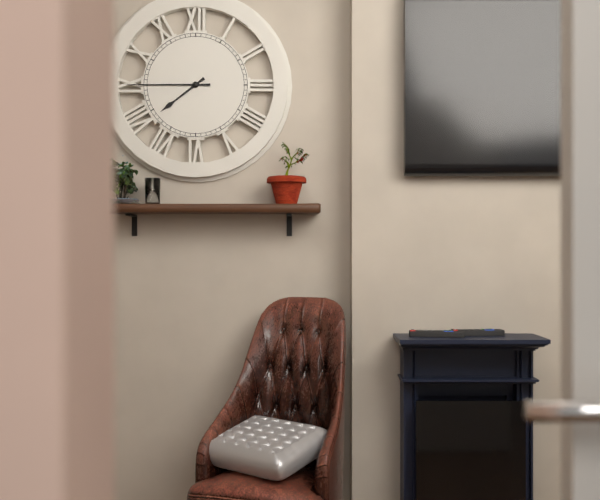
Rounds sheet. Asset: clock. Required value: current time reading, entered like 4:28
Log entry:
7:45
